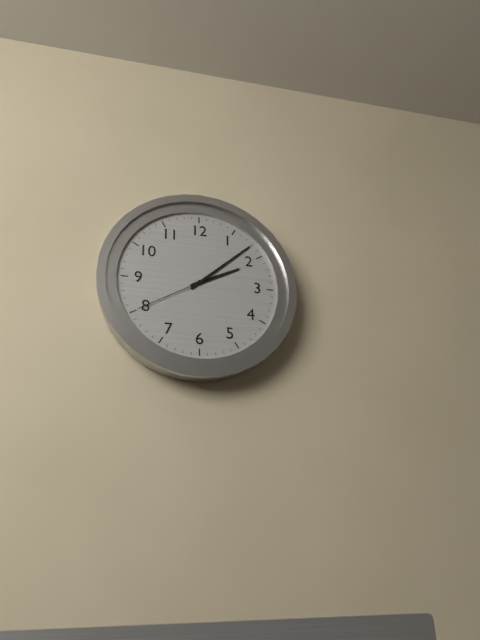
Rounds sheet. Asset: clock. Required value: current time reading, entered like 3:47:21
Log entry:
2:08:40
